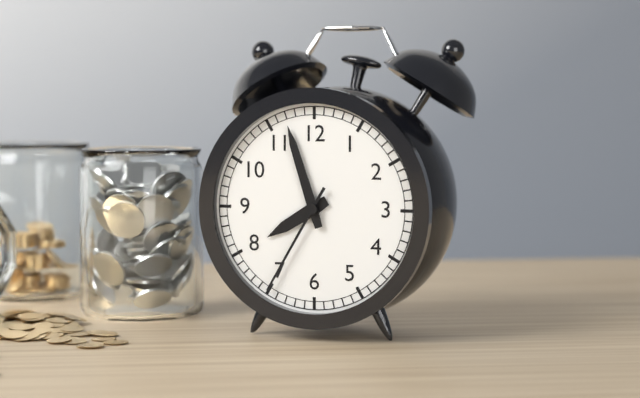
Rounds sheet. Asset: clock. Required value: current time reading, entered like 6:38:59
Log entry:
7:57:35
